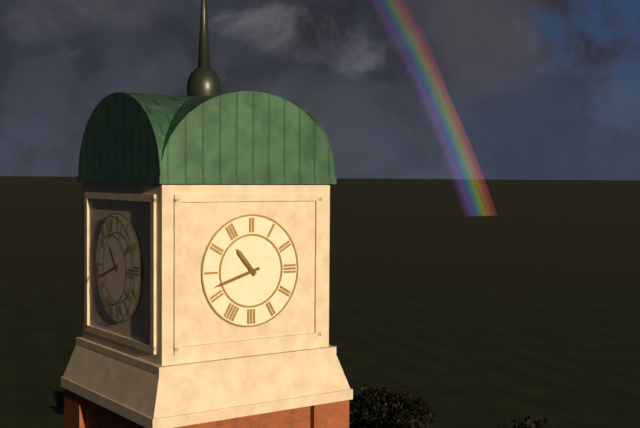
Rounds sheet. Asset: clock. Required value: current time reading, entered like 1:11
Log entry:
10:42
